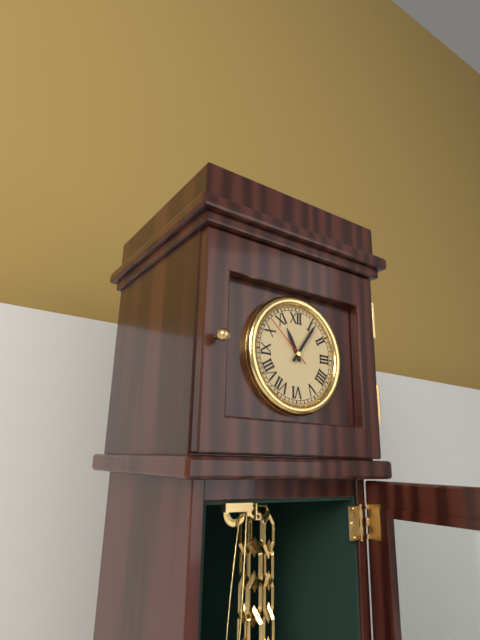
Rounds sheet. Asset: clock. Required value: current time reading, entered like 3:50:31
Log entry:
11:06:52
